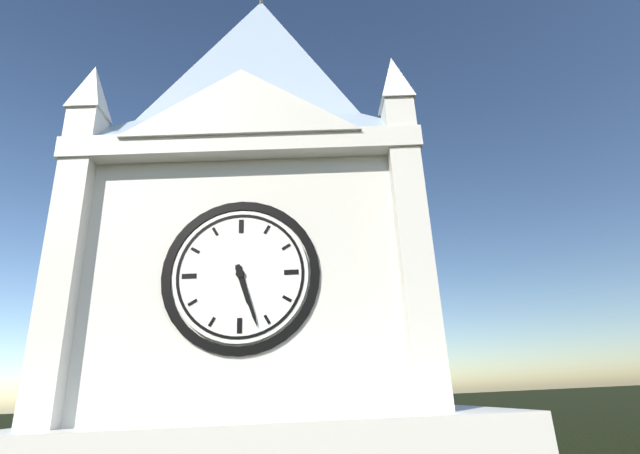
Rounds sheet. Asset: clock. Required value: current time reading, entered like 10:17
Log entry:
5:27
